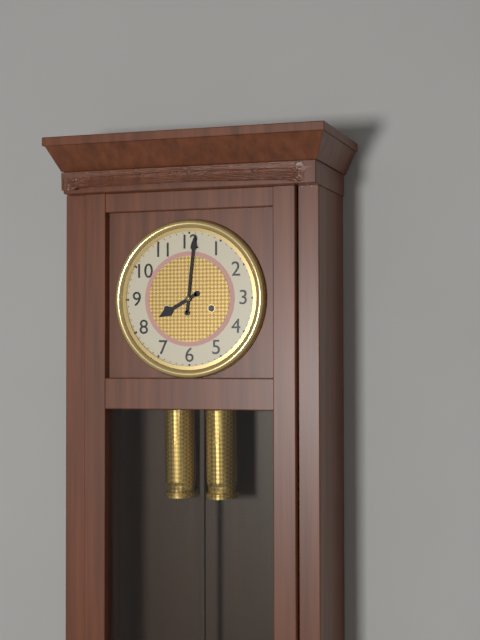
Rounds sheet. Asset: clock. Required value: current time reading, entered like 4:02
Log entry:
8:01
